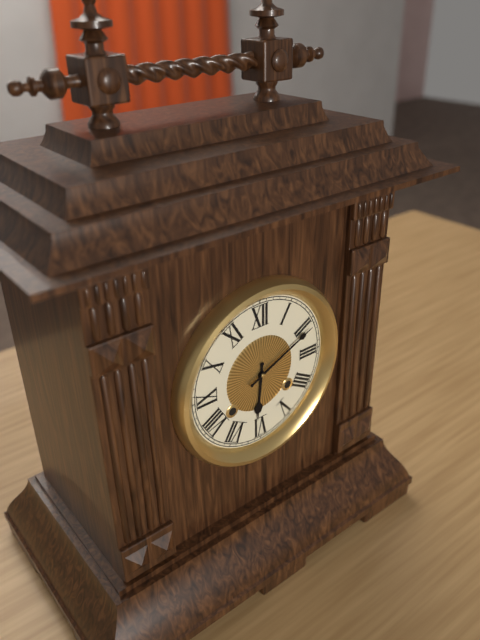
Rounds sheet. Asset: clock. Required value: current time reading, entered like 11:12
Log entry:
6:11
